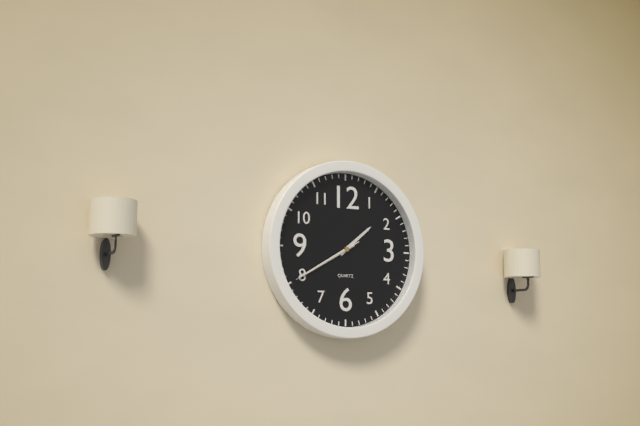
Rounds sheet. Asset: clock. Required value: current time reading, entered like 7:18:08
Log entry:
1:40:40
